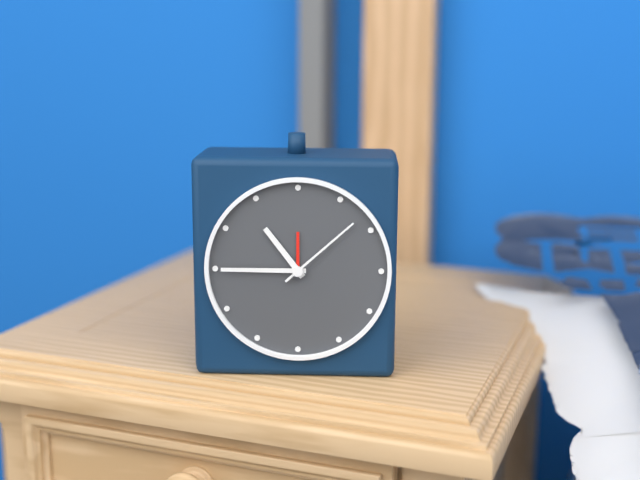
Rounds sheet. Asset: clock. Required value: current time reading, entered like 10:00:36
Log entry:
10:45:08
